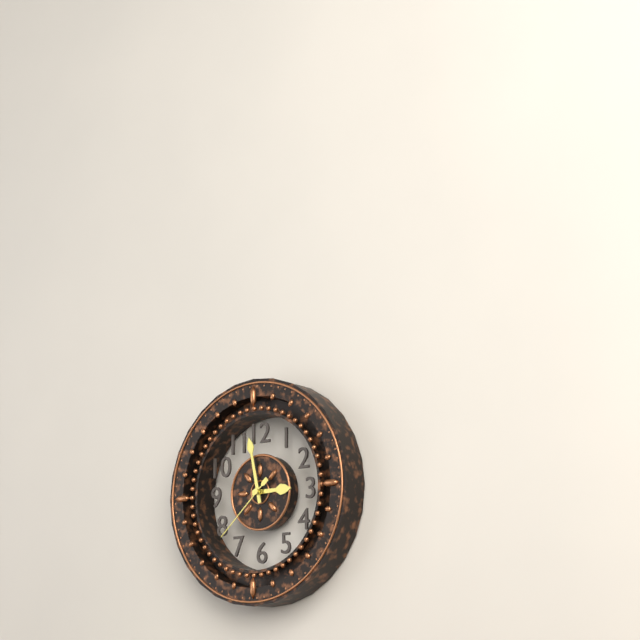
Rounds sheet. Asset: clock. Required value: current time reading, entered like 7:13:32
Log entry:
2:58:38
